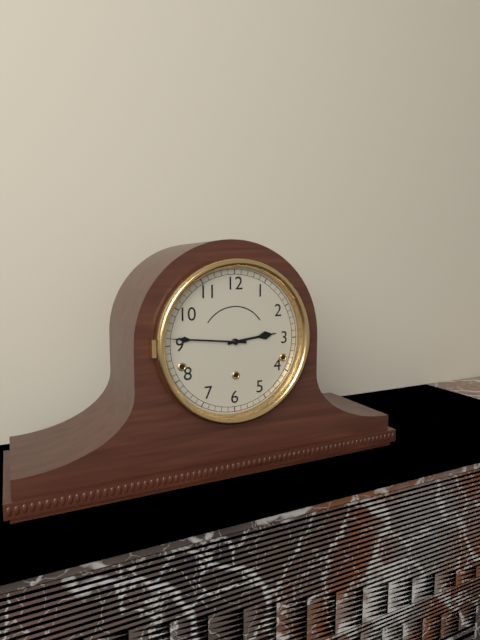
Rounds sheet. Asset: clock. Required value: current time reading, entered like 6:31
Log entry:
2:46
